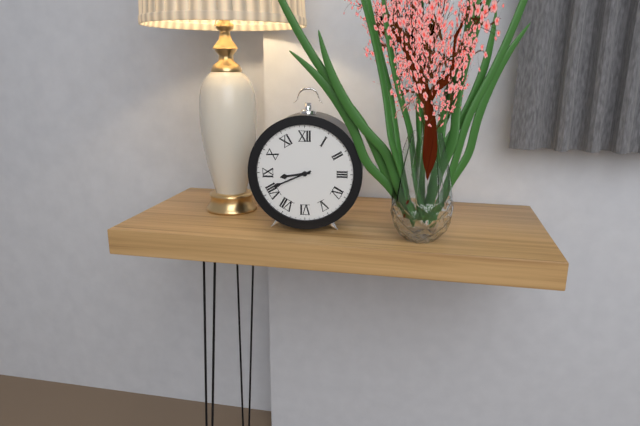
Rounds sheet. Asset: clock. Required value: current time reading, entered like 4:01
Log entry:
8:41
